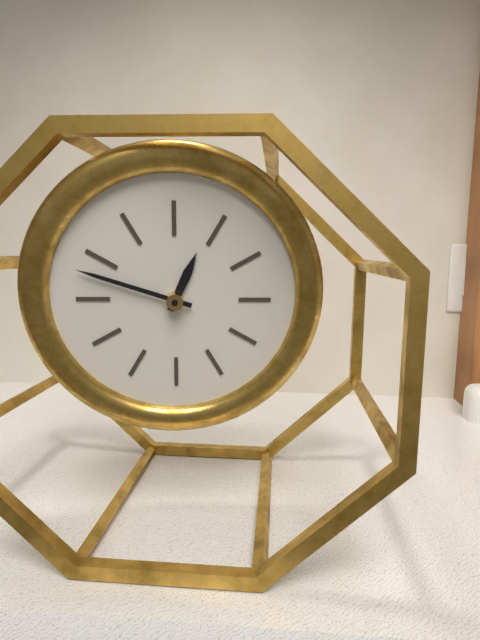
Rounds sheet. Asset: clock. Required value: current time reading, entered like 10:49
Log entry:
12:48
